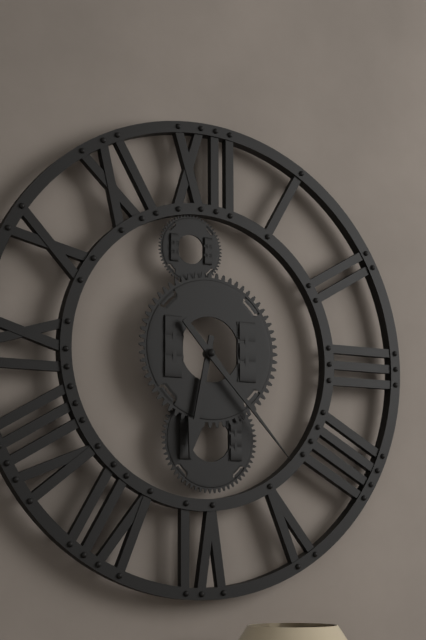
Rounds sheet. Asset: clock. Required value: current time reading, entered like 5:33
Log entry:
6:23
